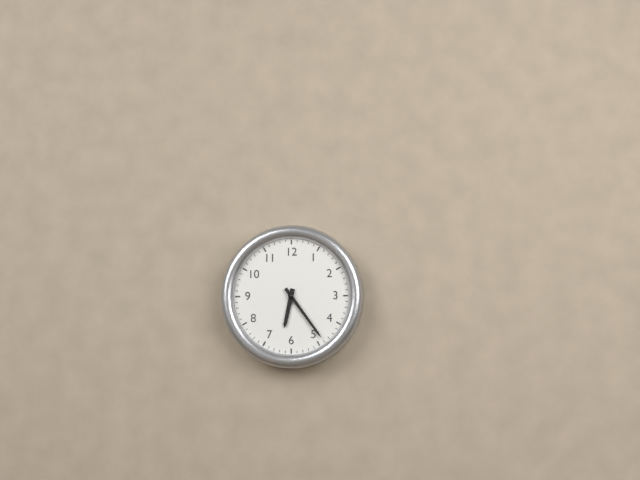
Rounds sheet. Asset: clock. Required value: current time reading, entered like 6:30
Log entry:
6:24
